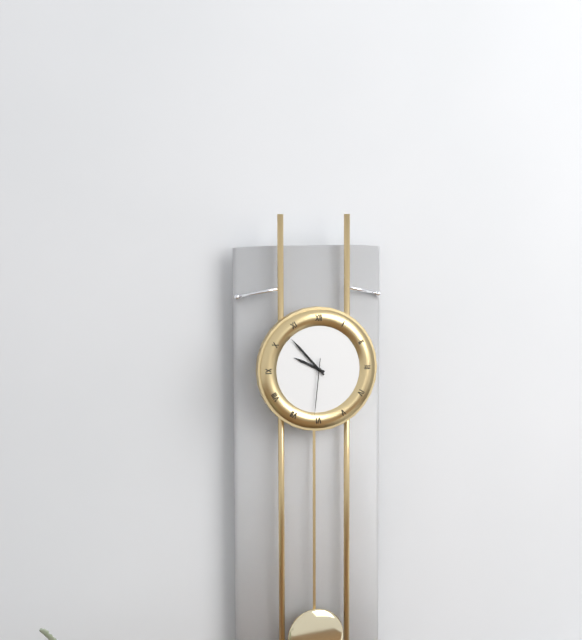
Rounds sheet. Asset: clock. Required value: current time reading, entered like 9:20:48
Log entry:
9:53:31
